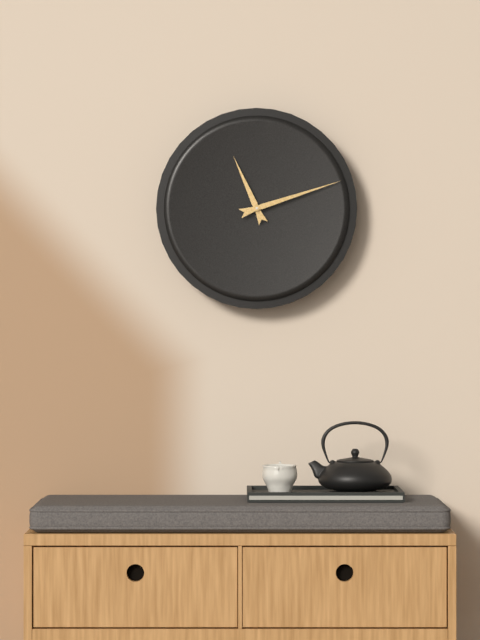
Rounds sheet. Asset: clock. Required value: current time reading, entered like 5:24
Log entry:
11:12
